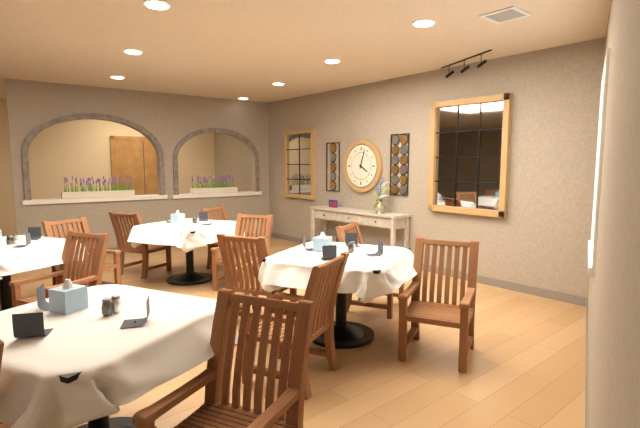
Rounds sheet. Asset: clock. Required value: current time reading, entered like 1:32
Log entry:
4:03
